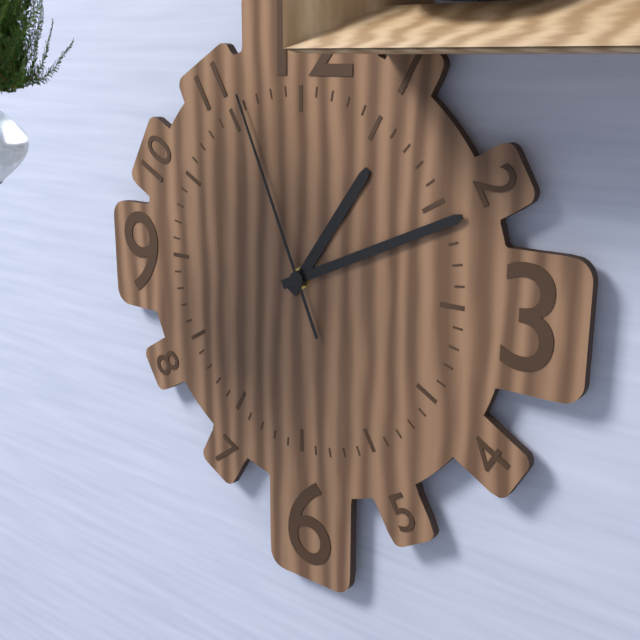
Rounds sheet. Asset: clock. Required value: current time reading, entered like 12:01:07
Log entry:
1:11:56
